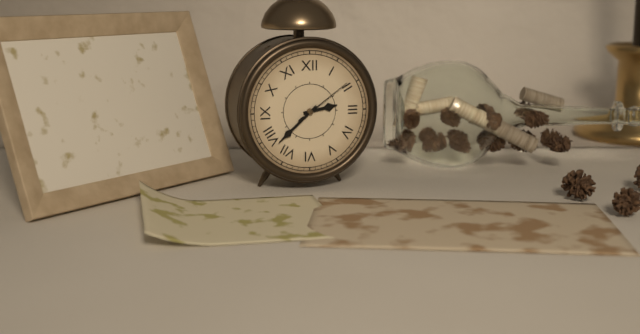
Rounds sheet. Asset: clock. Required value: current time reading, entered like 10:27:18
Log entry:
2:38:09
